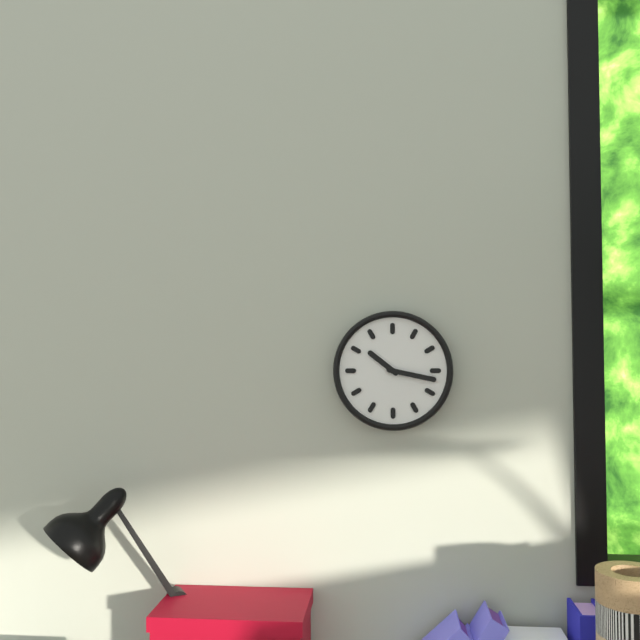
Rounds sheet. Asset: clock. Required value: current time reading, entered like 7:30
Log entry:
10:17
